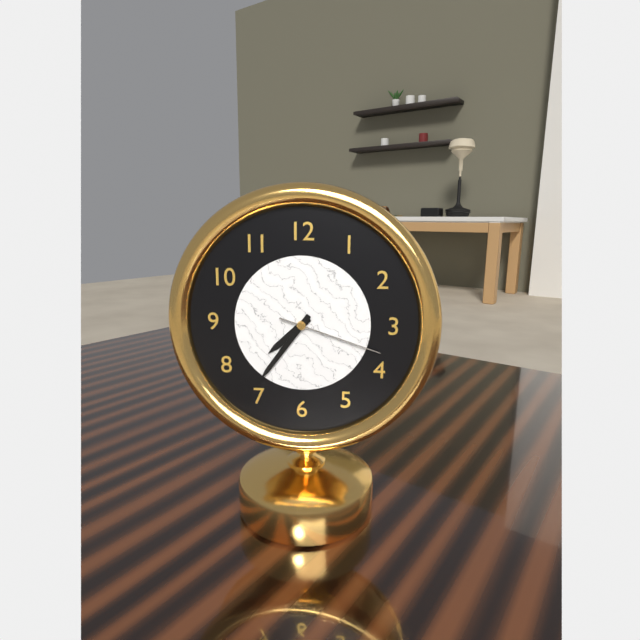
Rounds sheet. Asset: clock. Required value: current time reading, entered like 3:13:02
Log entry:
7:36:18
